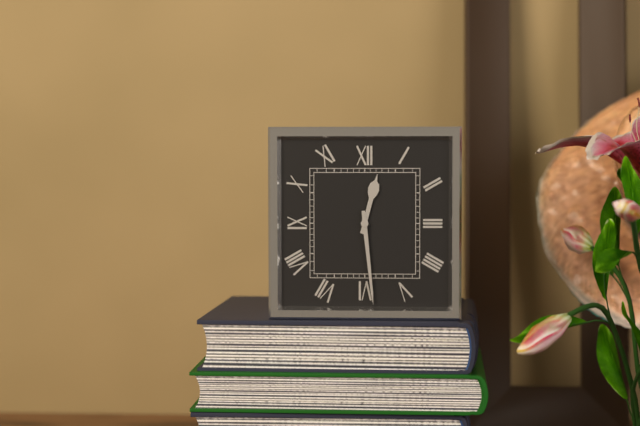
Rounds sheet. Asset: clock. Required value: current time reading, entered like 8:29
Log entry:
12:29
